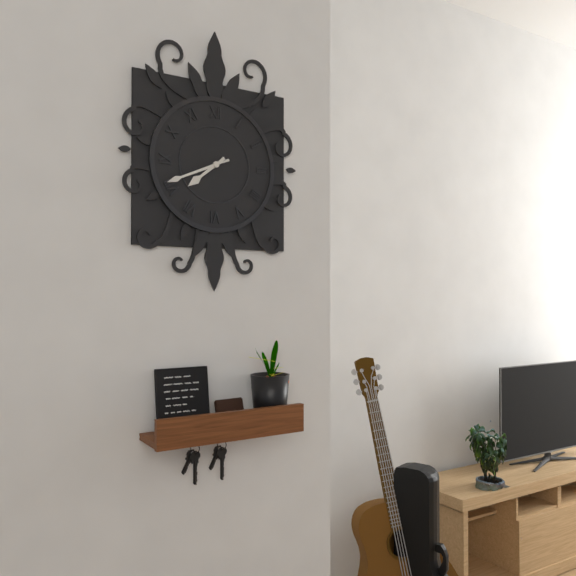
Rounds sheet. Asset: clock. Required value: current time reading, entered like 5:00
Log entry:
7:41
